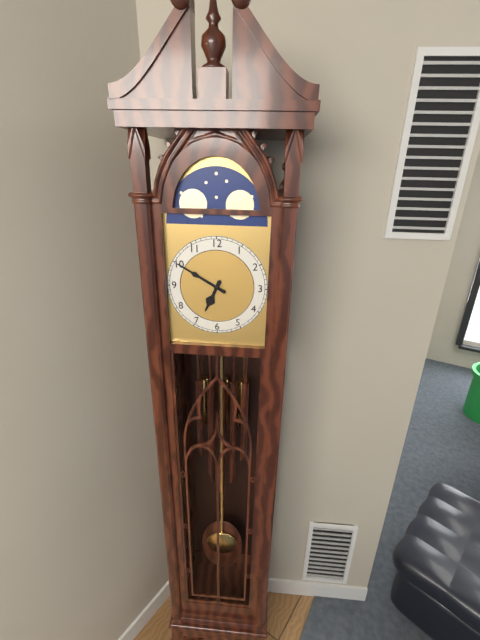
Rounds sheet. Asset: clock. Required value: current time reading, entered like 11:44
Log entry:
6:50
